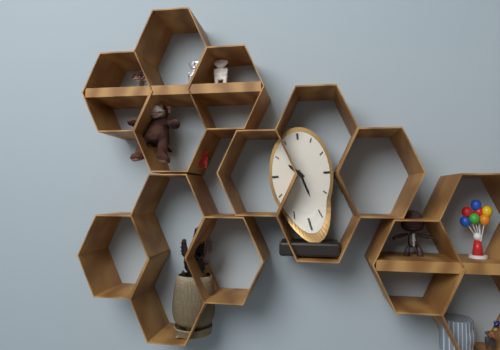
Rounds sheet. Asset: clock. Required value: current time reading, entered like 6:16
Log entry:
10:27
